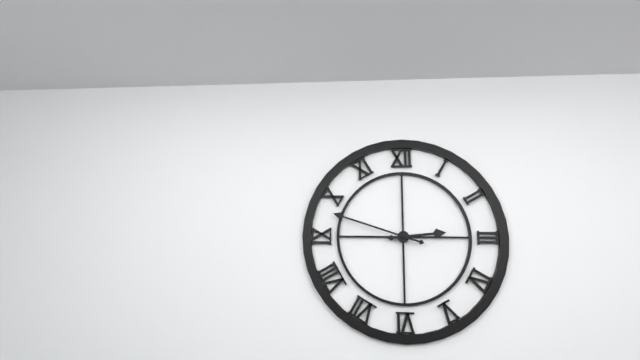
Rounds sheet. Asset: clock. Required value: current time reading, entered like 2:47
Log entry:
2:48
